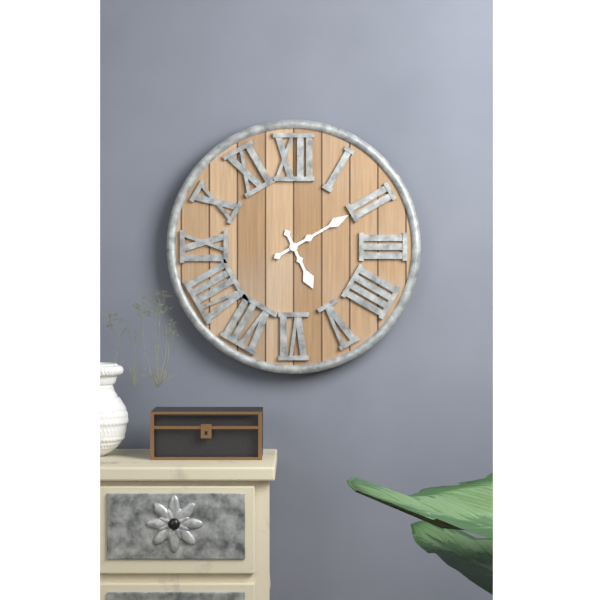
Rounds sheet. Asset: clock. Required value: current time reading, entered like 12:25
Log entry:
5:10
